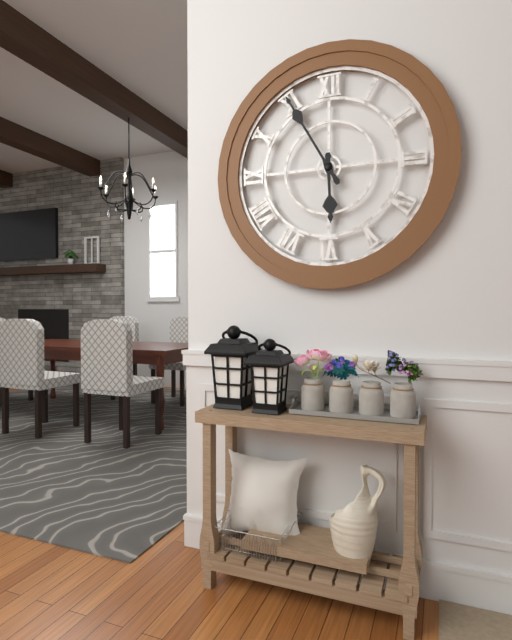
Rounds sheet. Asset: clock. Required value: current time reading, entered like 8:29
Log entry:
5:55
